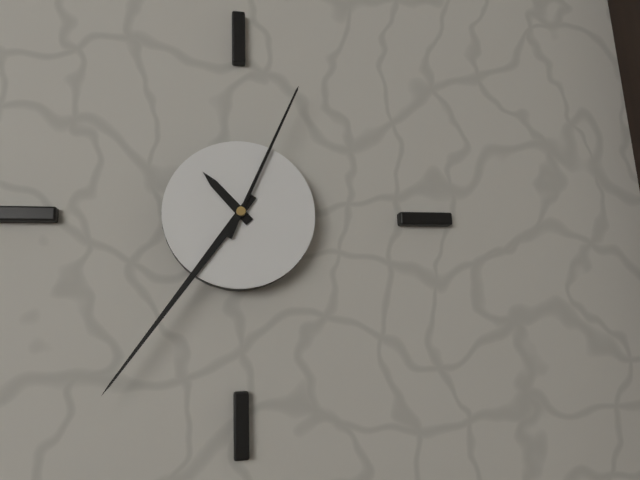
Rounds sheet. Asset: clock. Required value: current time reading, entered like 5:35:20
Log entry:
10:36:04
